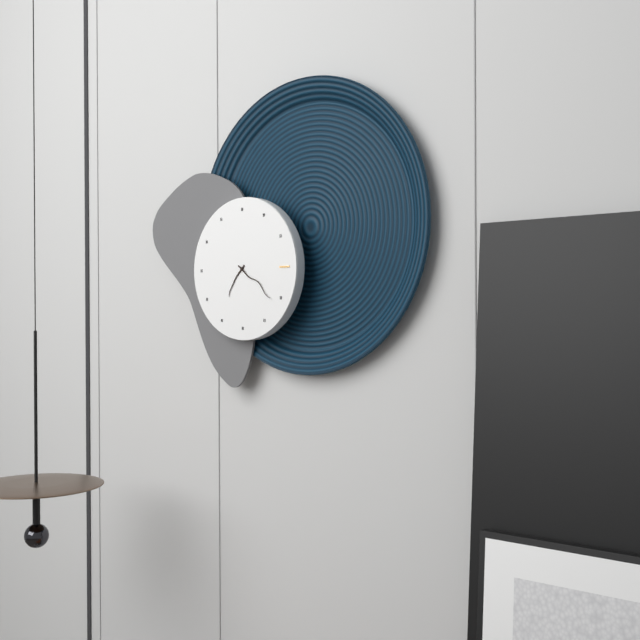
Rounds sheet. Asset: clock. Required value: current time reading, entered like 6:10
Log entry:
7:21
